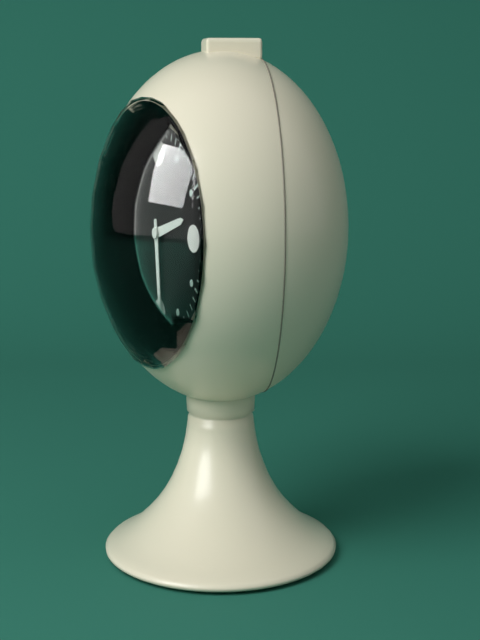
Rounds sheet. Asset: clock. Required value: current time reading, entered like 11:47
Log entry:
2:29
